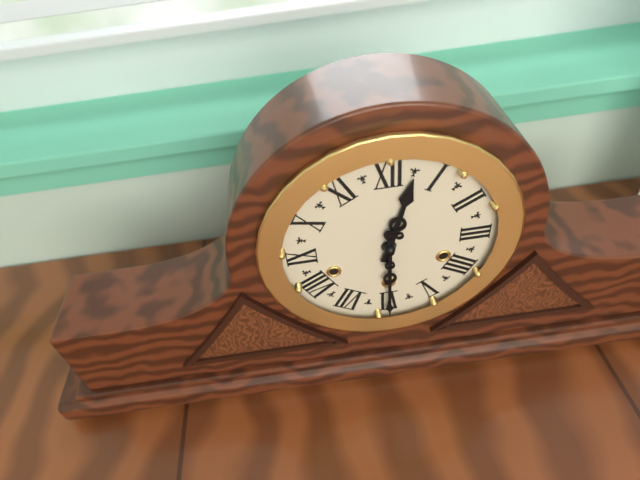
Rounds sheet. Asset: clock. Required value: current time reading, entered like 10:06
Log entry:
12:30
